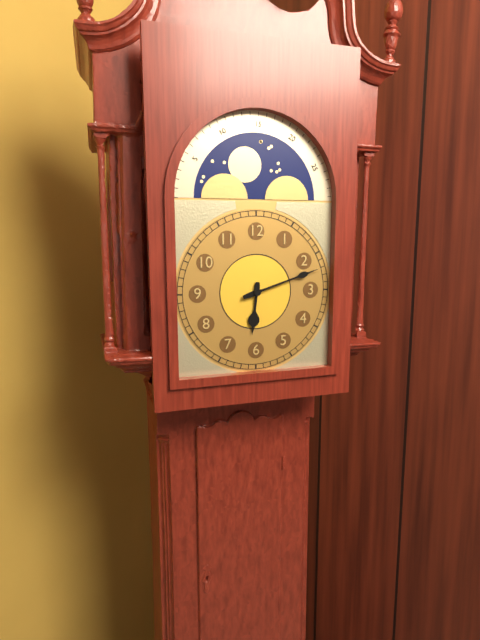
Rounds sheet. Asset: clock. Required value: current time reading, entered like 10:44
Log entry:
6:12
